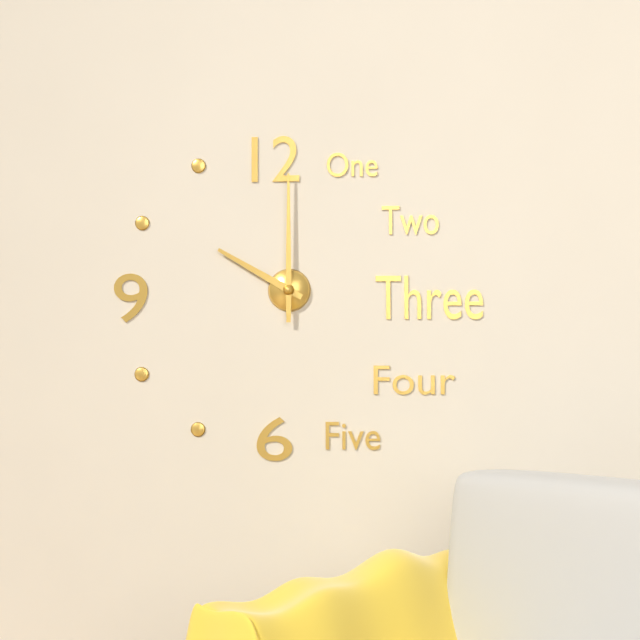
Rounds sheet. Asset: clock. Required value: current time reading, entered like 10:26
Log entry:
10:00
